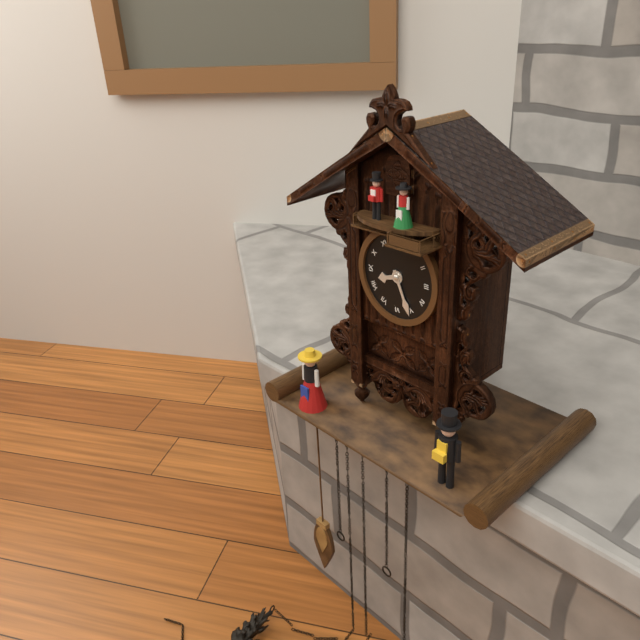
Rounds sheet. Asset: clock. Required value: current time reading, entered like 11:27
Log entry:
8:26
